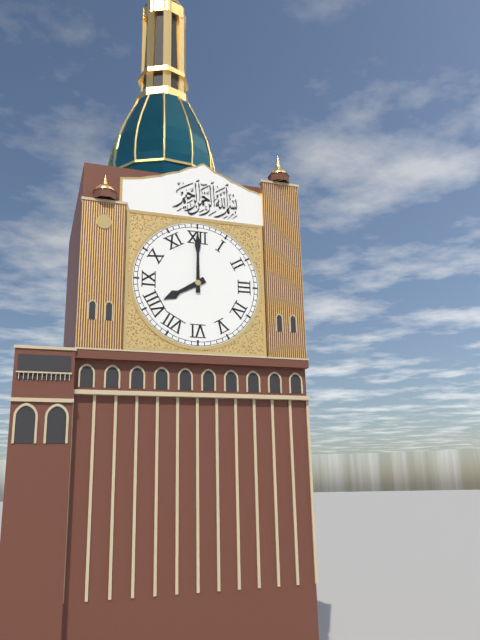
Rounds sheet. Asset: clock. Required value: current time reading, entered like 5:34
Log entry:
8:00
